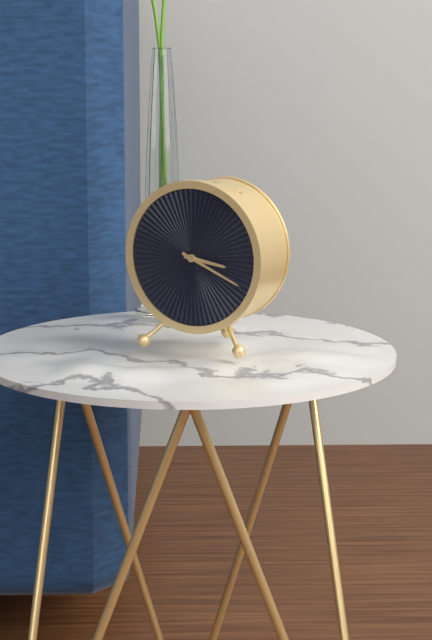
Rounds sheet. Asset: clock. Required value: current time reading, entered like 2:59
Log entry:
3:19
